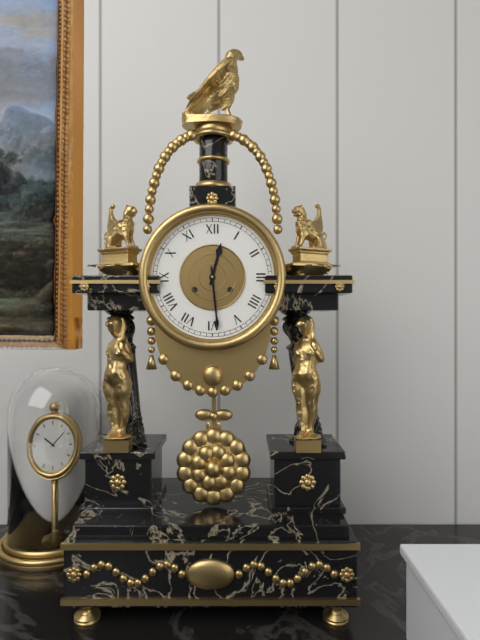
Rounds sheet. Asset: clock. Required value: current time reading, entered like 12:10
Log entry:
12:29
